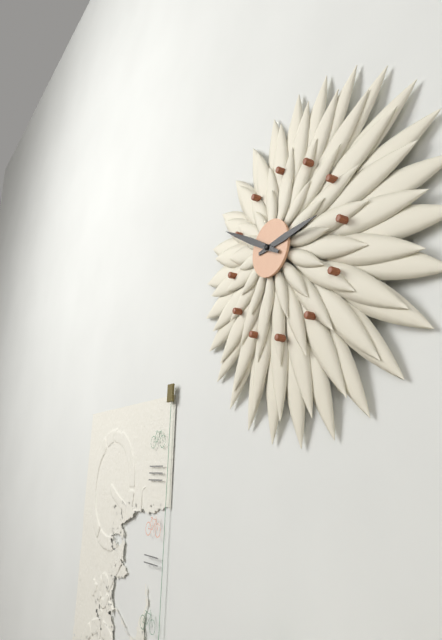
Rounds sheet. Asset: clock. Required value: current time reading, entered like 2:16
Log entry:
2:50
